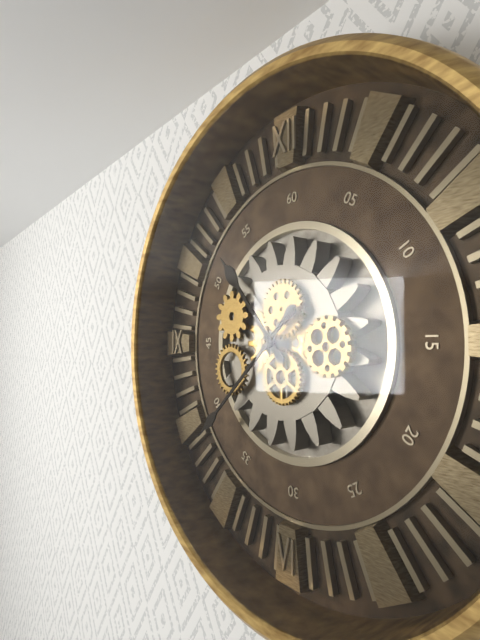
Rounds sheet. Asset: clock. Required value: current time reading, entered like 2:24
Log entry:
10:38
